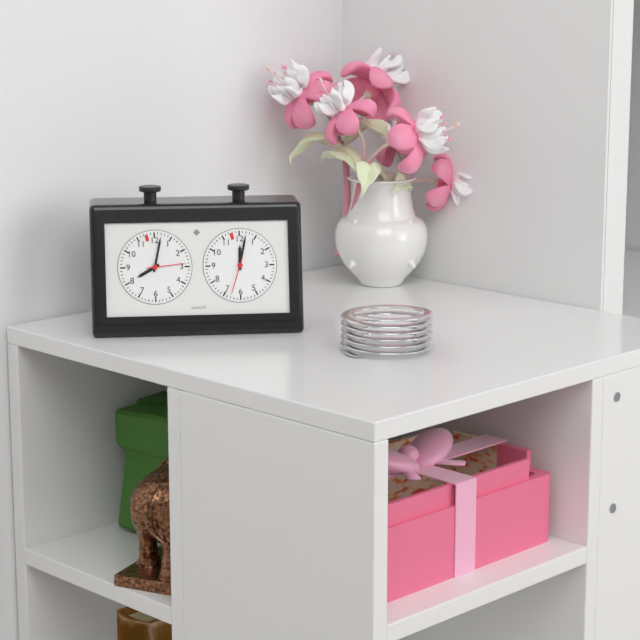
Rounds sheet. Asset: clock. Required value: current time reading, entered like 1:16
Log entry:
8:02
